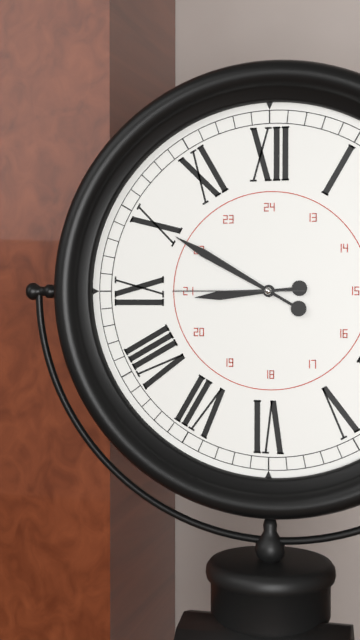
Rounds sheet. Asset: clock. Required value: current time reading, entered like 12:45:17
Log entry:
8:50:45
